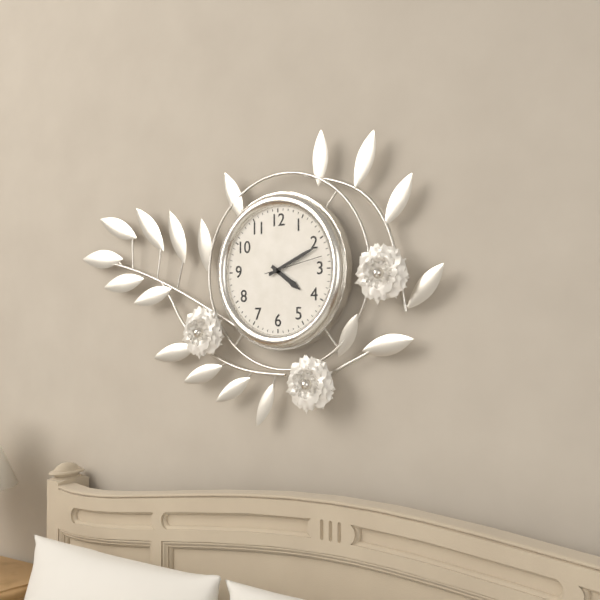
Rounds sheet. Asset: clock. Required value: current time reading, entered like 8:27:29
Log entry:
4:11:13
